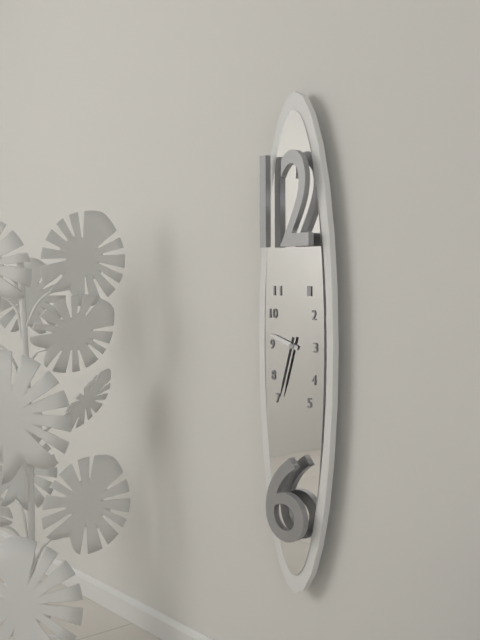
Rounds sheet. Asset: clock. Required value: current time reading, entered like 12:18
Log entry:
9:33
